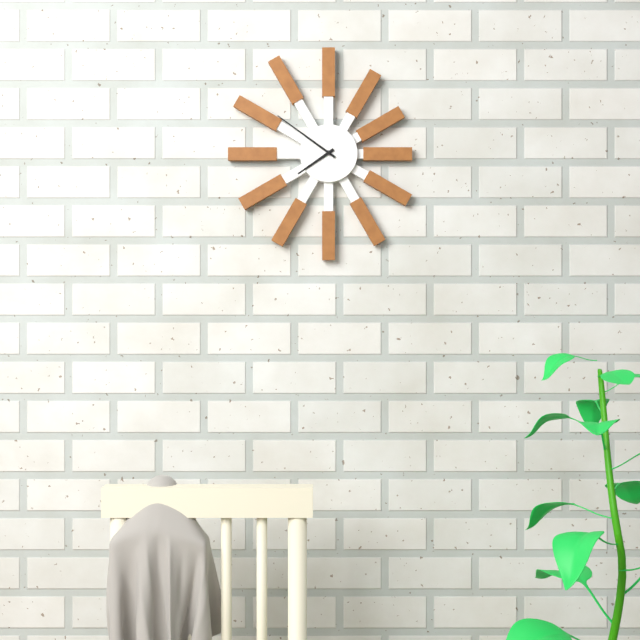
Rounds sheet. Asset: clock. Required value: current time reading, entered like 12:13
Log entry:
7:51
